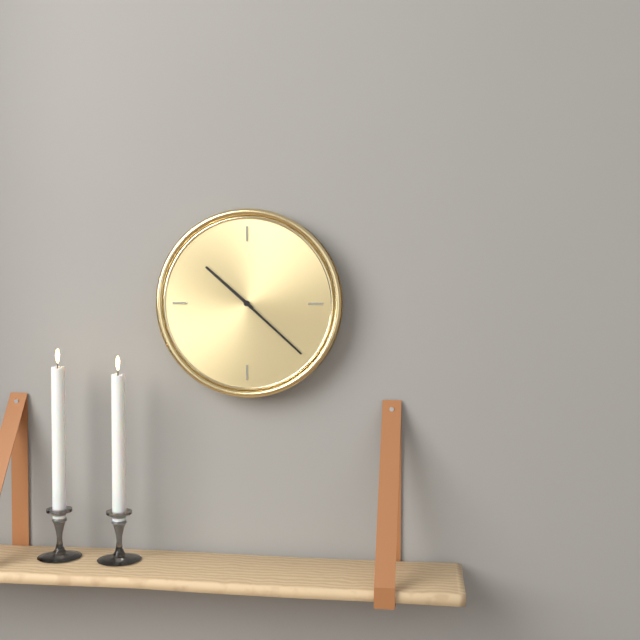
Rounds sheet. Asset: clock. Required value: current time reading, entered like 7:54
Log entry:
10:22
